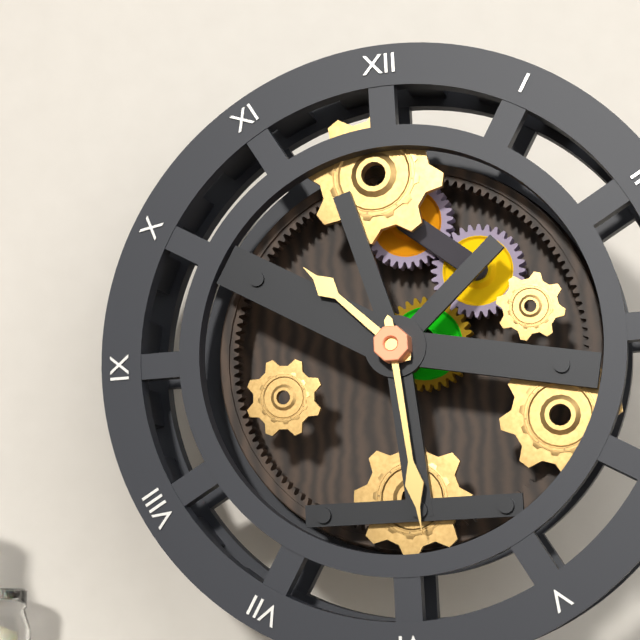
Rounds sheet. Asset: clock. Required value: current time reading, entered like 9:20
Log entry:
10:29
